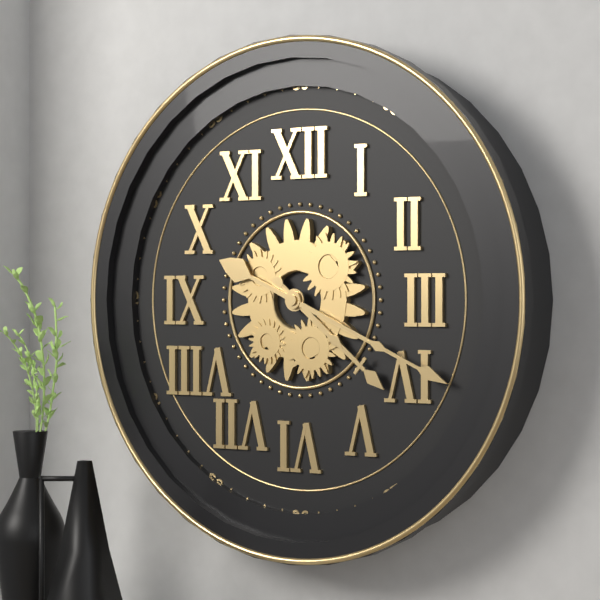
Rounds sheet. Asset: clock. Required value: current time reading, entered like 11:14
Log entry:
4:19
